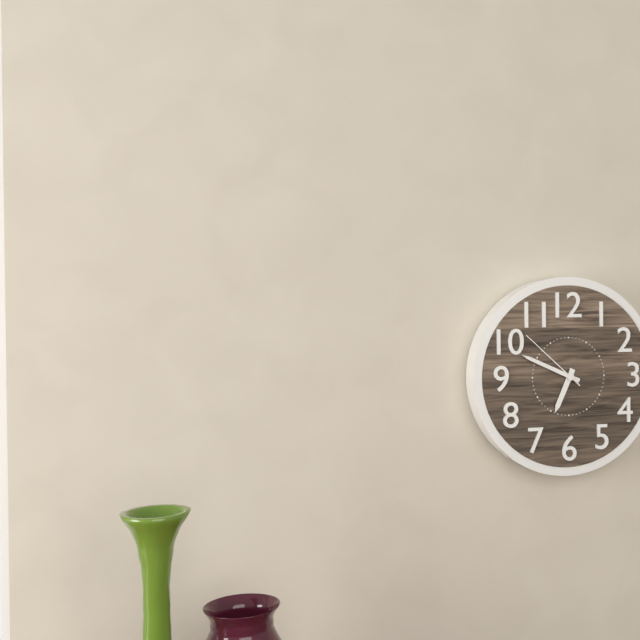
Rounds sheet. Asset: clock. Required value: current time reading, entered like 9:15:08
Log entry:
6:49:52
